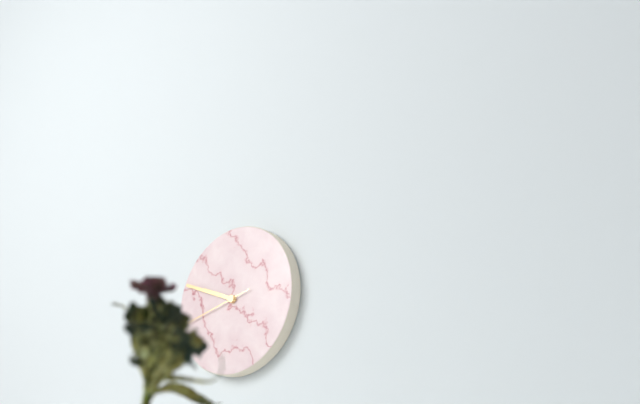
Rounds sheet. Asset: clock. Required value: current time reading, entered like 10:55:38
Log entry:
9:49:43
